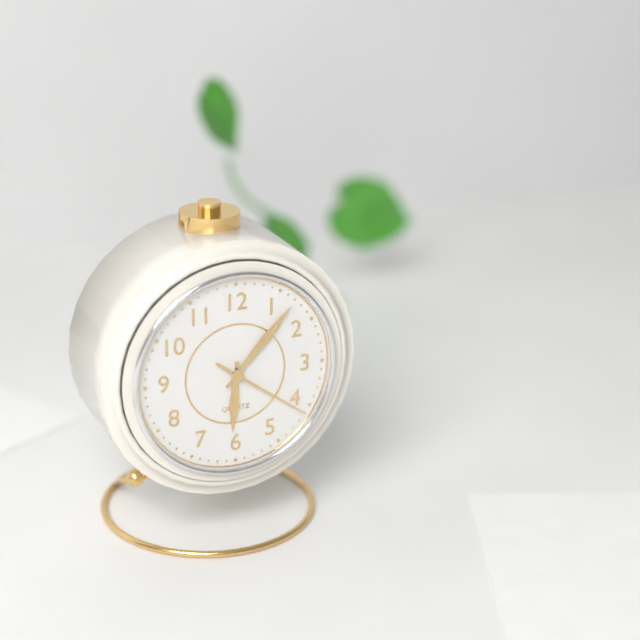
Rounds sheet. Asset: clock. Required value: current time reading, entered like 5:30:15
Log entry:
6:07:21
